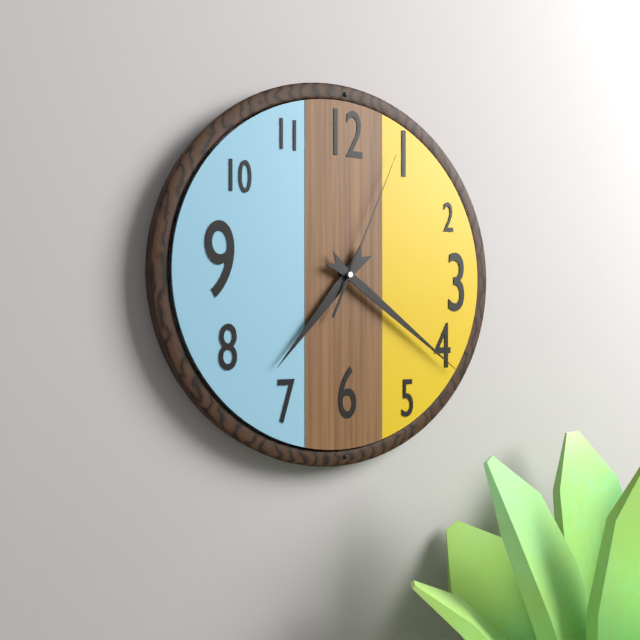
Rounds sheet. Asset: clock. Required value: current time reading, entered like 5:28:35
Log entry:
7:21:04
